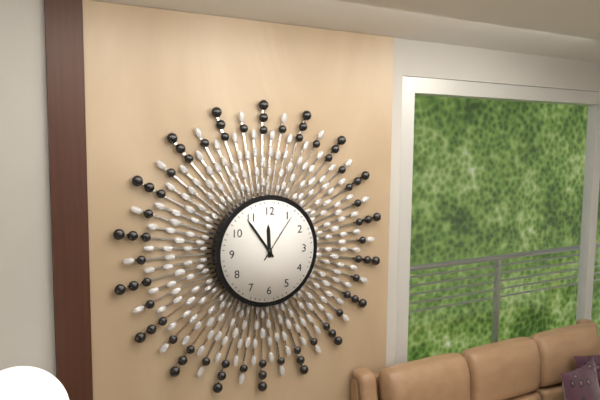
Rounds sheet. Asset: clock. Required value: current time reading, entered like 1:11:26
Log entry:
11:54:06
